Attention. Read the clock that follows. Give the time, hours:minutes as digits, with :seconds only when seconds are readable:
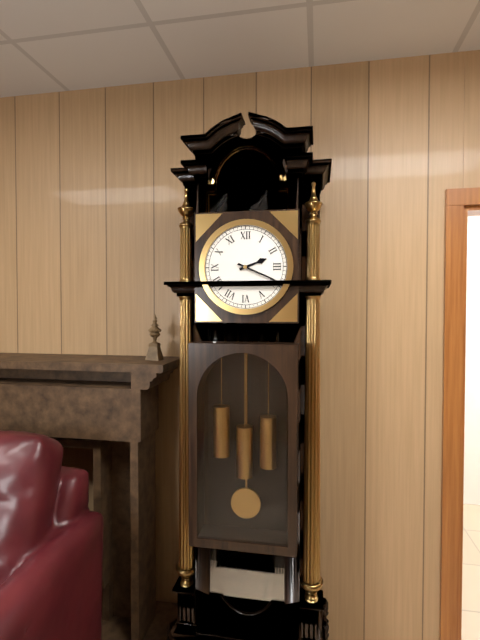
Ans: 2:19
